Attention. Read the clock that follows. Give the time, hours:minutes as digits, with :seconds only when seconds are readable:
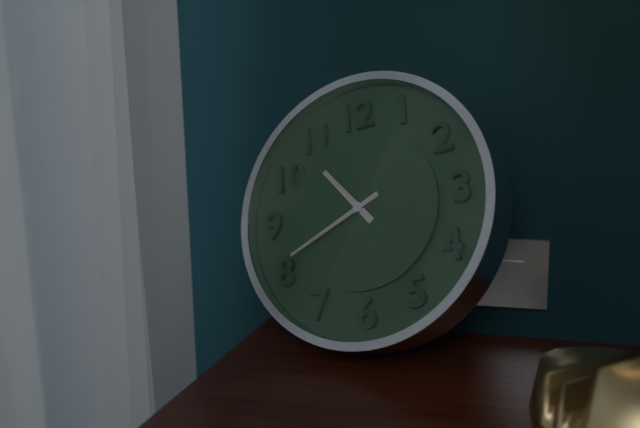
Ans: 10:41
